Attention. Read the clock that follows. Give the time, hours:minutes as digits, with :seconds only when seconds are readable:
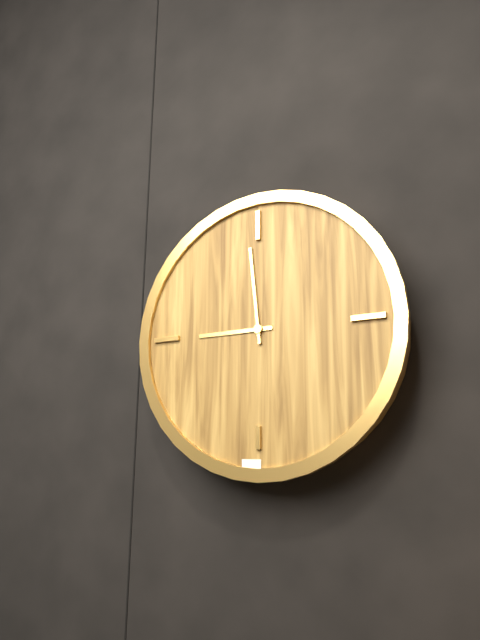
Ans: 8:59
